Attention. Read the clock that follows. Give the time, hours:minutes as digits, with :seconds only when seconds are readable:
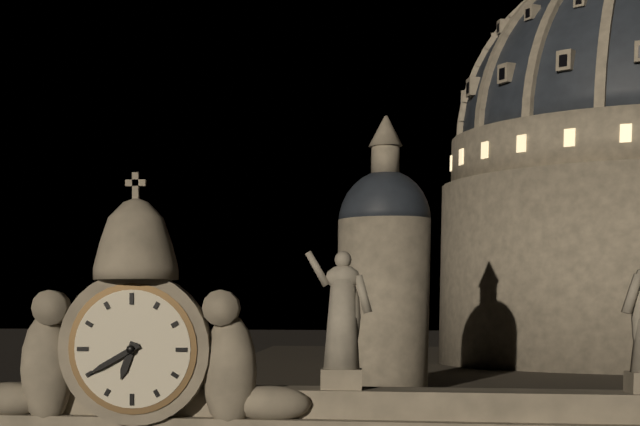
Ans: 6:40
